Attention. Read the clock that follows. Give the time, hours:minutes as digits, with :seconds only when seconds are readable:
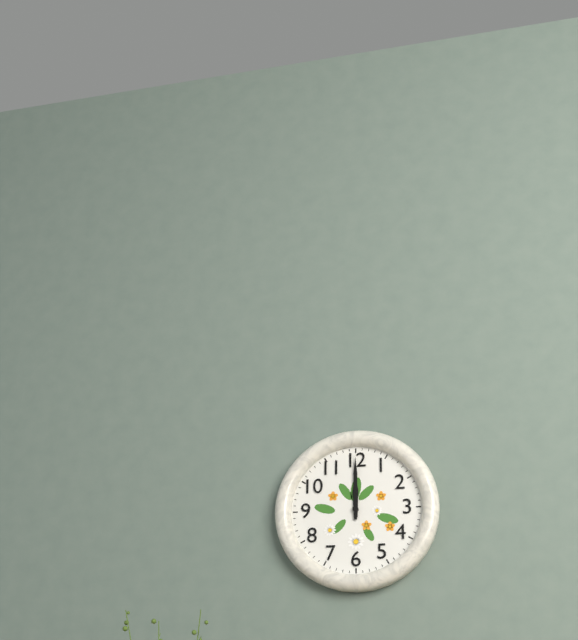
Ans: 12:00
